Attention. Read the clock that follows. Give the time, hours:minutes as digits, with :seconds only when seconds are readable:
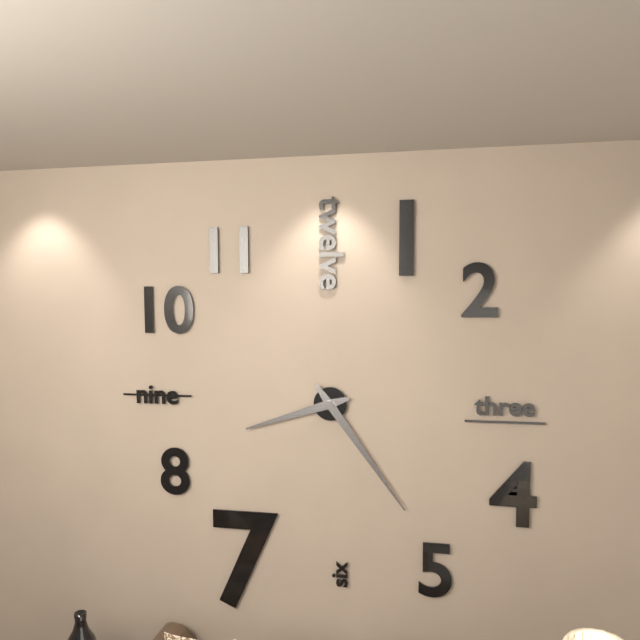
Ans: 8:24
